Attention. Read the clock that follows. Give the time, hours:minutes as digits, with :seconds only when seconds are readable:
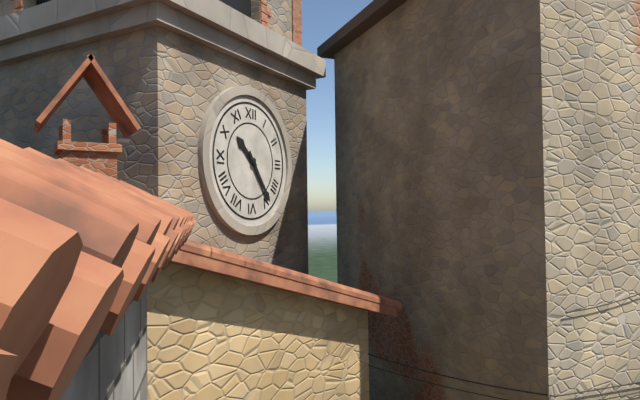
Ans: 10:24
